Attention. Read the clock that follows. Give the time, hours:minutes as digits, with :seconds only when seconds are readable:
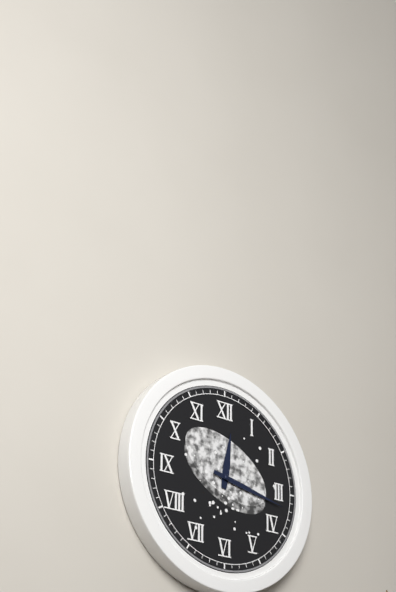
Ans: 12:17
